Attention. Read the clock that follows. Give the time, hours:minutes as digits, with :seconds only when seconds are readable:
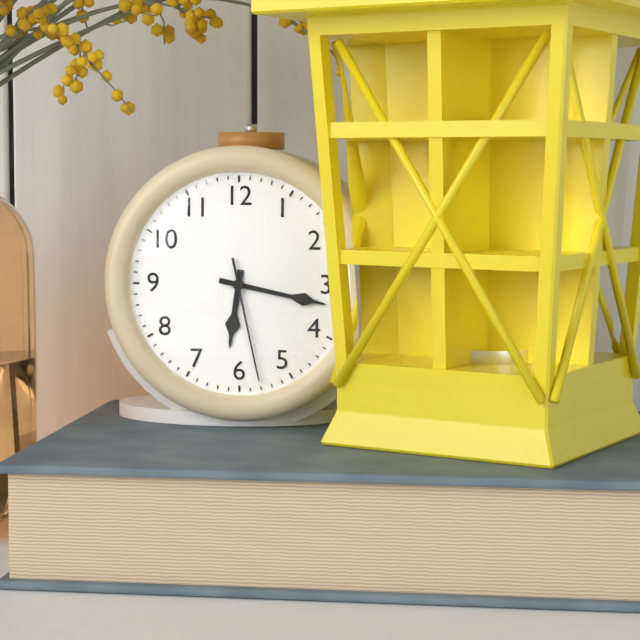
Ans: 6:17:28
